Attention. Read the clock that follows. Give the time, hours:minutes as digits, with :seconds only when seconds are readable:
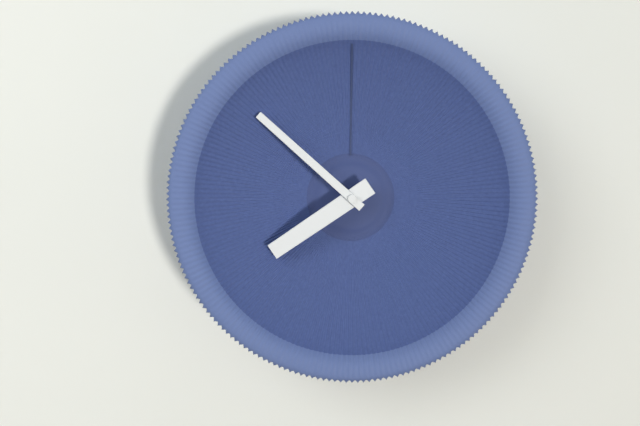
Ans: 7:52
